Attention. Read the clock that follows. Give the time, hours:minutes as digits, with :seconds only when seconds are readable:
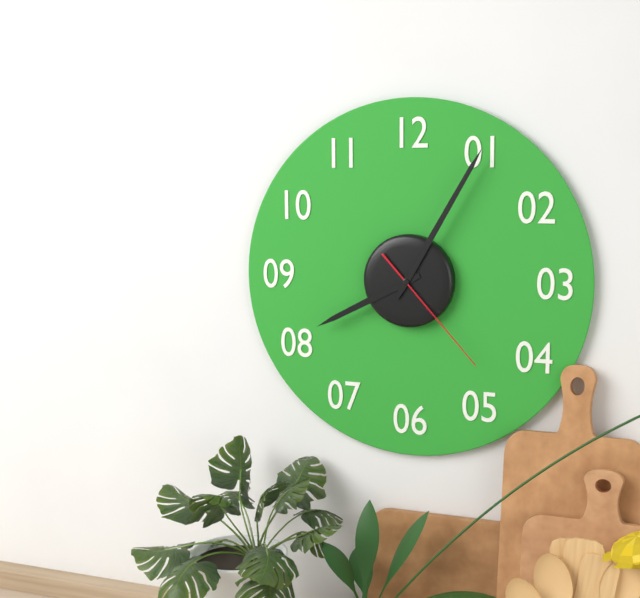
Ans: 8:05:23
